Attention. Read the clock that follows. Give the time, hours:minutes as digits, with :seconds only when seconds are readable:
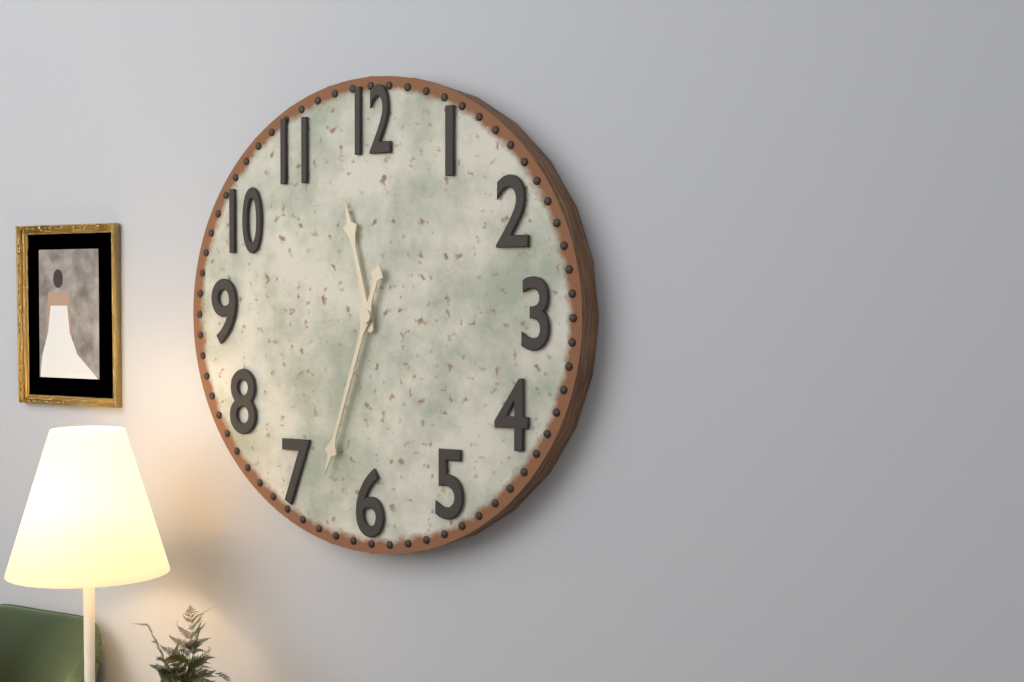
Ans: 11:33
